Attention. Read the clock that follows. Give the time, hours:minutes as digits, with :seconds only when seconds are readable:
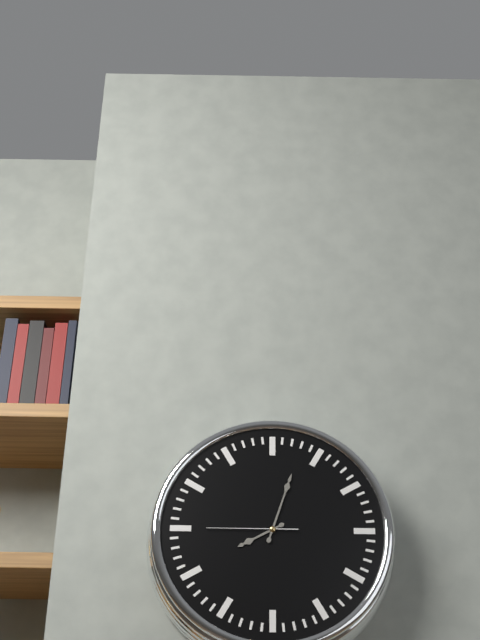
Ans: 8:03:45
